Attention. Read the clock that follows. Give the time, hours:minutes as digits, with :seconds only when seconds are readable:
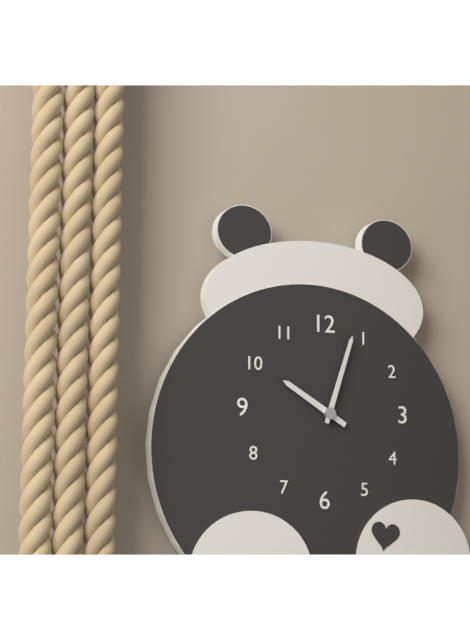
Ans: 10:03
